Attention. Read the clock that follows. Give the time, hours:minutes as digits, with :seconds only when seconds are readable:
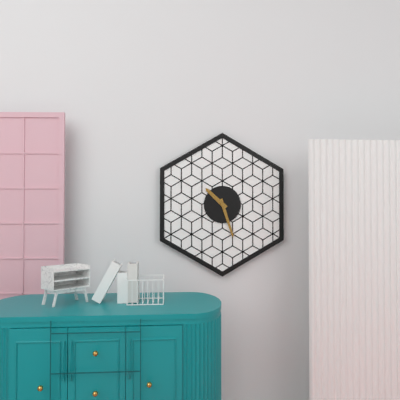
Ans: 10:27
